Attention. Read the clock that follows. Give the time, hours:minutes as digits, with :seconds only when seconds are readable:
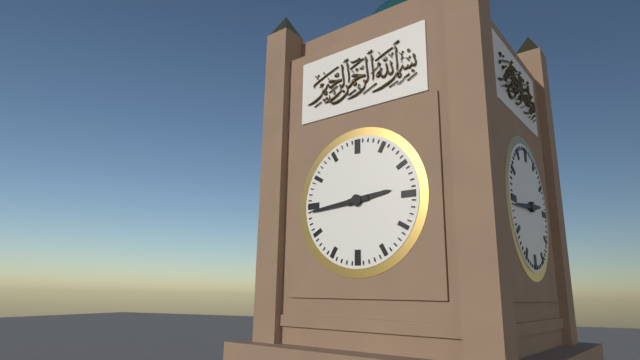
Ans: 2:44
